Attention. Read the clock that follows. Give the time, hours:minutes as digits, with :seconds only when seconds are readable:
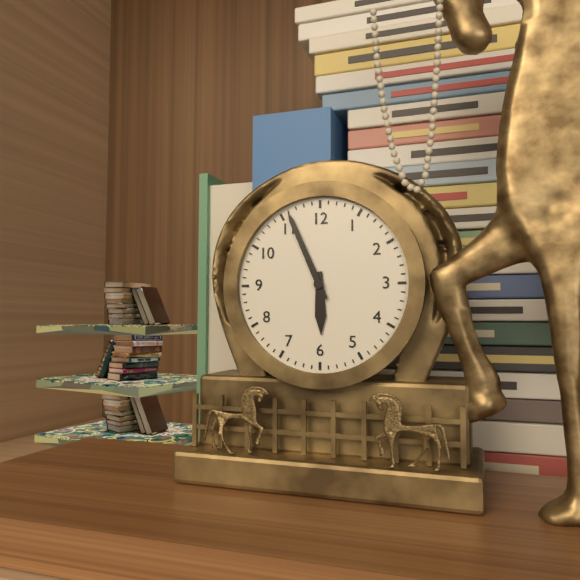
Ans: 5:56
